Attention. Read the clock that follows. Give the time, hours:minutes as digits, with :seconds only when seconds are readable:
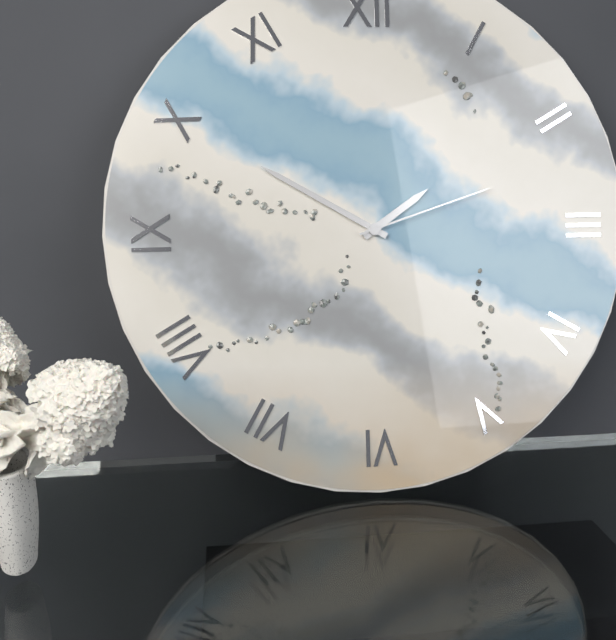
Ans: 1:50:12
